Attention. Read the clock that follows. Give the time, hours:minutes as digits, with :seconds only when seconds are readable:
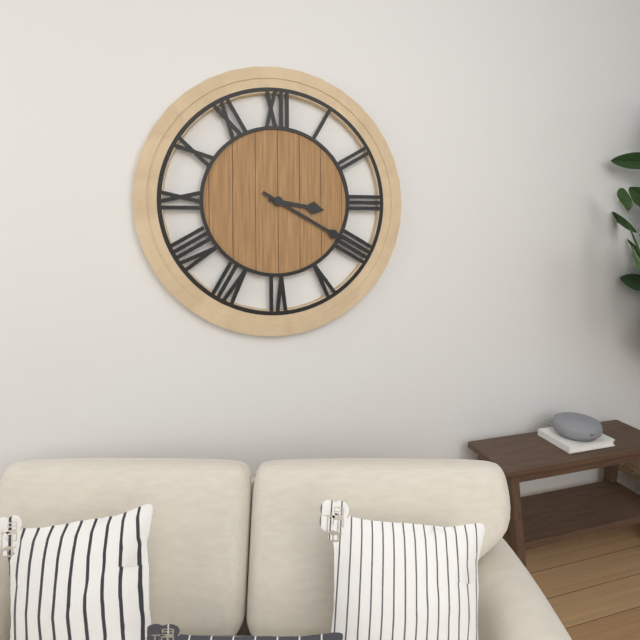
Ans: 3:20
